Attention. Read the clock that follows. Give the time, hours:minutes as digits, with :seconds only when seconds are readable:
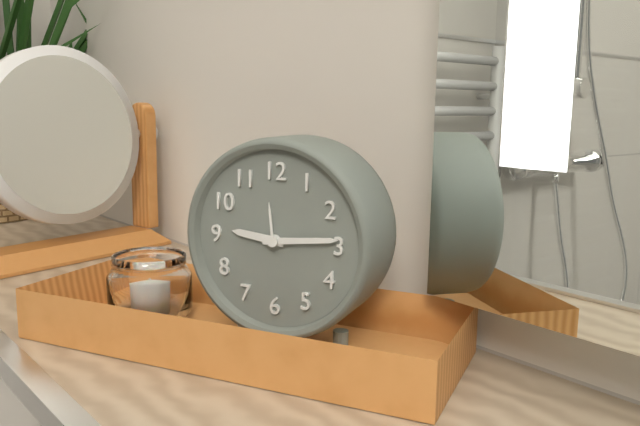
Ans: 9:14
